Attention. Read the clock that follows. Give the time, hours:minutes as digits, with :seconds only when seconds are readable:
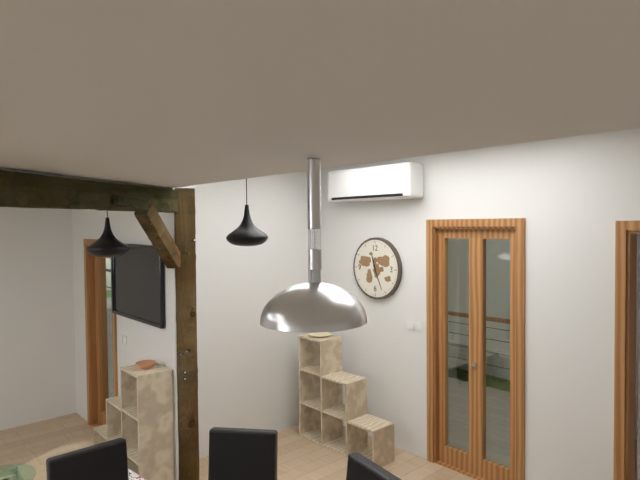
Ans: 11:26
